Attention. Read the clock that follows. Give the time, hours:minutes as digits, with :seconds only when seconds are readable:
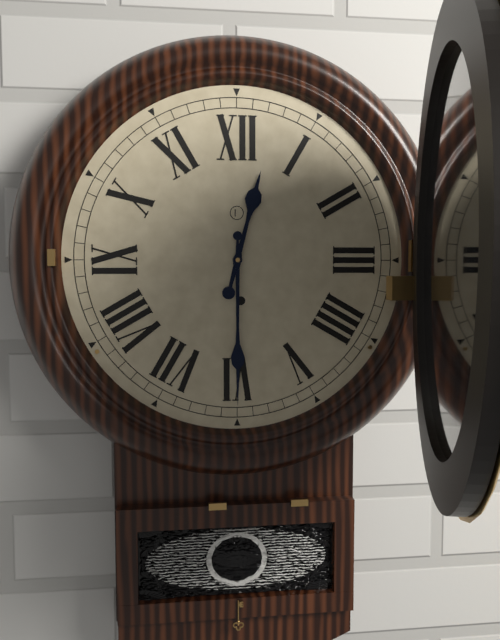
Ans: 12:30
